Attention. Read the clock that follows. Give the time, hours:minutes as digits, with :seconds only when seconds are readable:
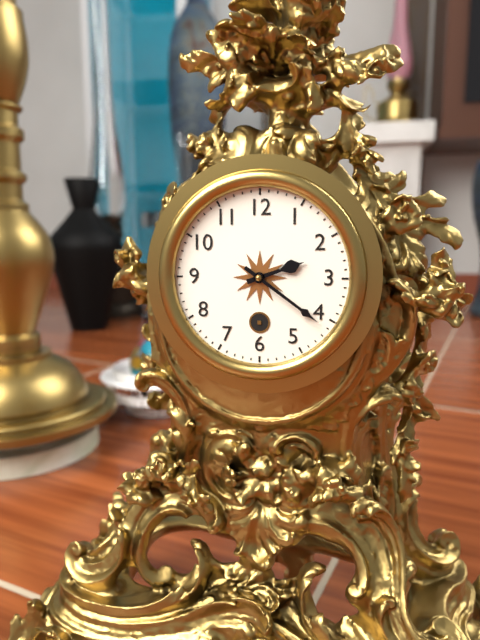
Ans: 2:21
